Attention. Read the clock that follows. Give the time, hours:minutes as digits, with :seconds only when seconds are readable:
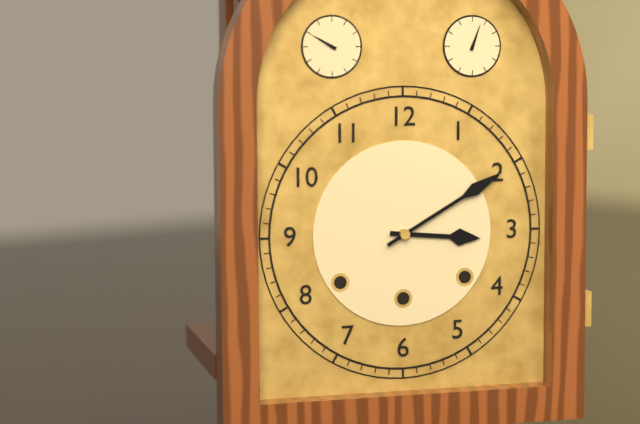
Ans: 3:10
